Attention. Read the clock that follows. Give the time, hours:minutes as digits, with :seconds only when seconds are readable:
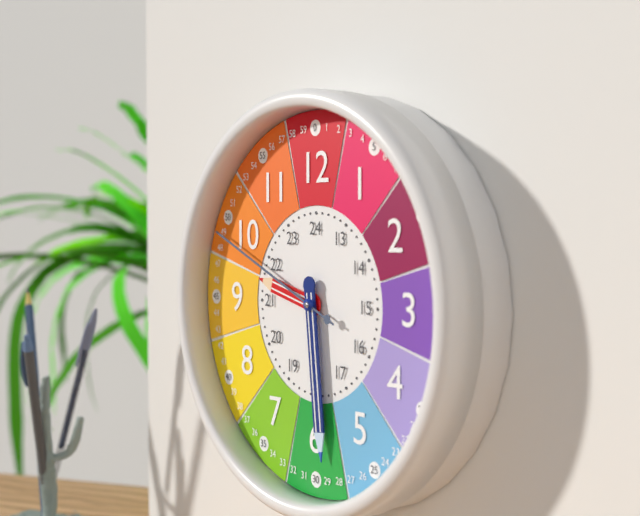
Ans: 9:29:49
